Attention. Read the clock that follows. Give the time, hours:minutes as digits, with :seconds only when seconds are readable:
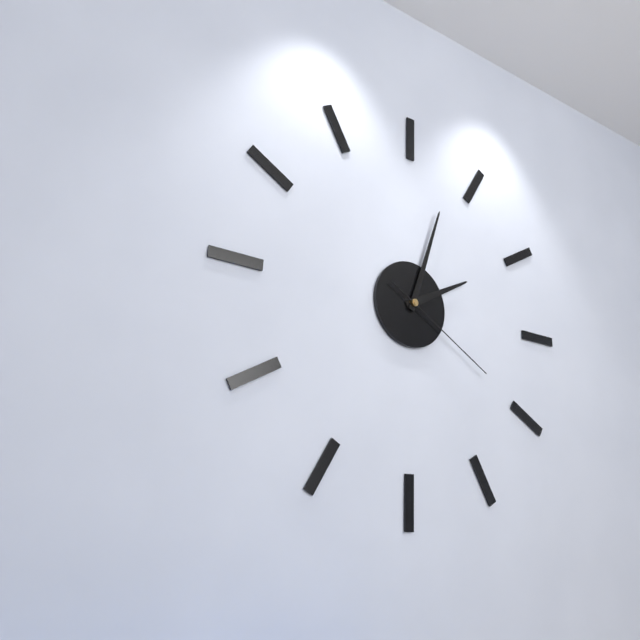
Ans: 2:03:20
